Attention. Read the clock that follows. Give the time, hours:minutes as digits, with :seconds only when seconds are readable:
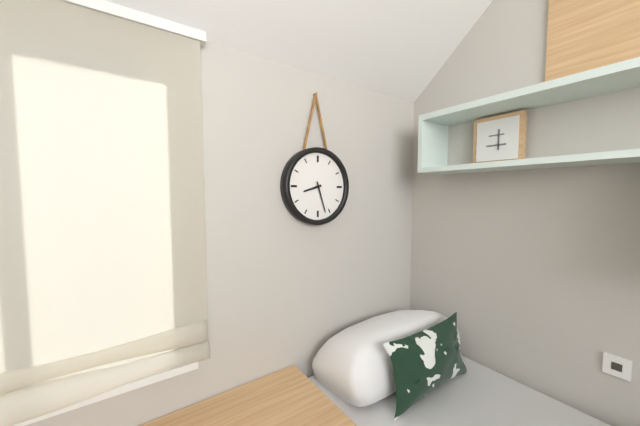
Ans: 8:27
